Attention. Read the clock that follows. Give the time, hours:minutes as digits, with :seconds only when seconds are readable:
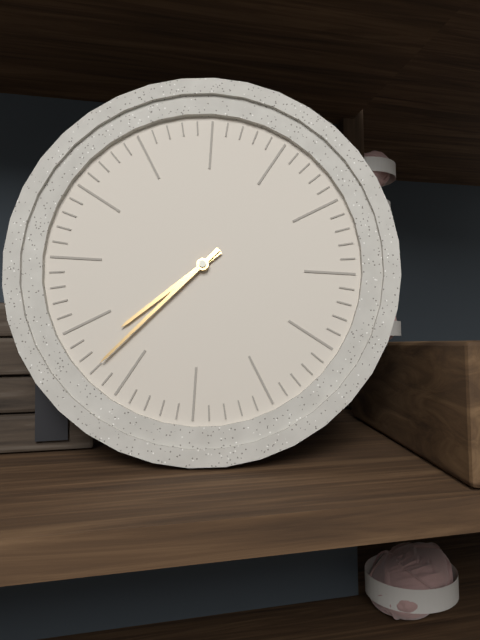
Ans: 7:37
